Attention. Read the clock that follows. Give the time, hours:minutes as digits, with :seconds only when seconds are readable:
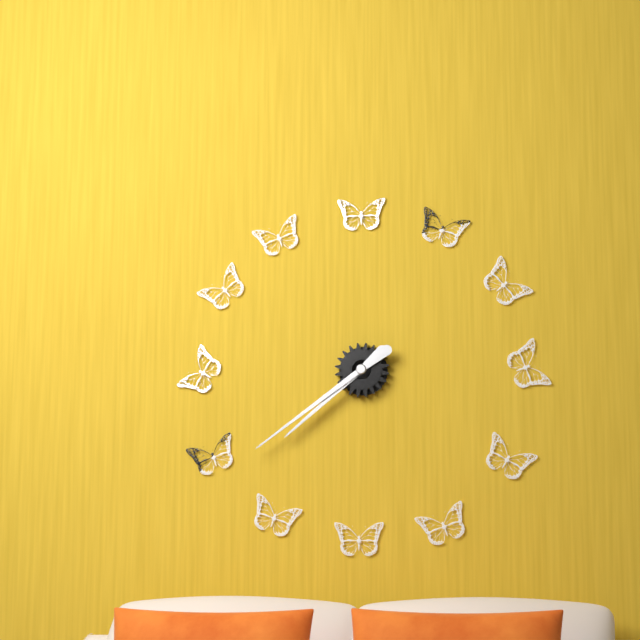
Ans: 7:39
